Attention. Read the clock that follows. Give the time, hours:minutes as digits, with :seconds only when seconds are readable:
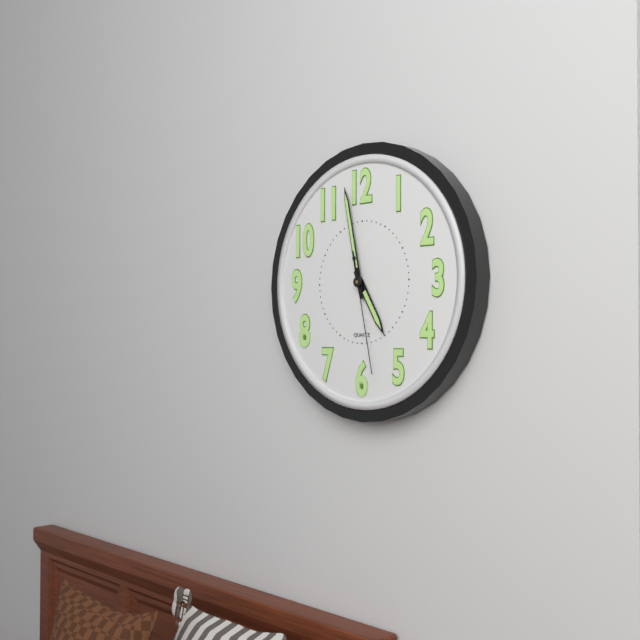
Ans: 4:58:28
